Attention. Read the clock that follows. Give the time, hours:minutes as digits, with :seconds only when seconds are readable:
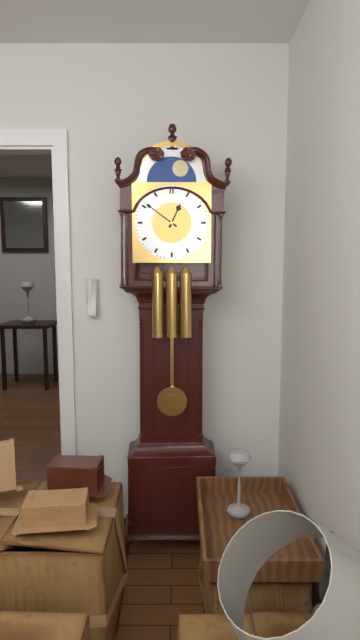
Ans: 12:51
